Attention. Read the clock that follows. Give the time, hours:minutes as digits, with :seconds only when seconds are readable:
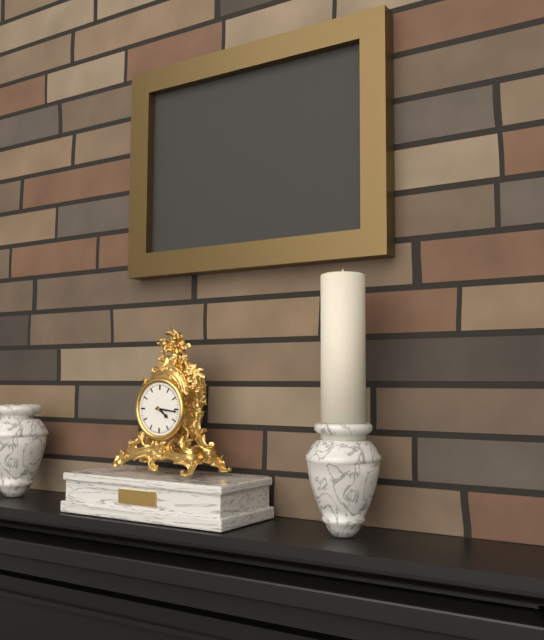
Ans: 4:16
